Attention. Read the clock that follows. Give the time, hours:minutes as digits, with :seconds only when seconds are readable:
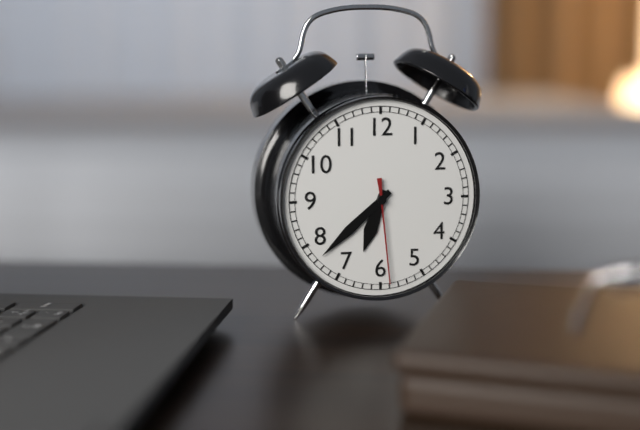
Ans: 6:38:29
